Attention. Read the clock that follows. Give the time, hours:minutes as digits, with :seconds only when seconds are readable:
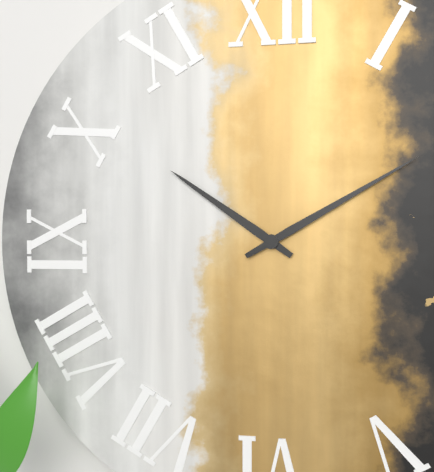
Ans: 10:10
